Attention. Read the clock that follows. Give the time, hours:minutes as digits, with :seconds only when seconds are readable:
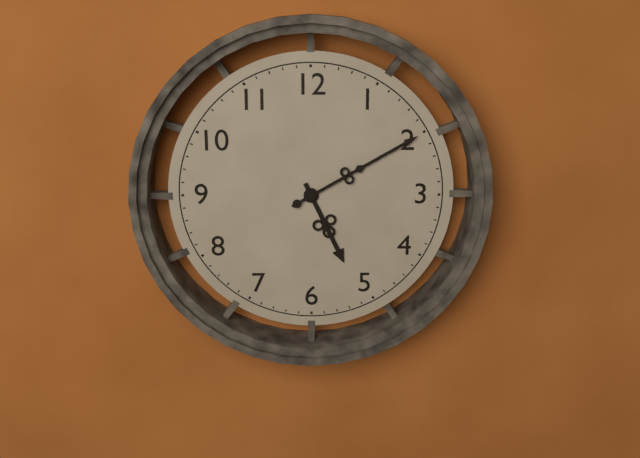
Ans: 5:10
